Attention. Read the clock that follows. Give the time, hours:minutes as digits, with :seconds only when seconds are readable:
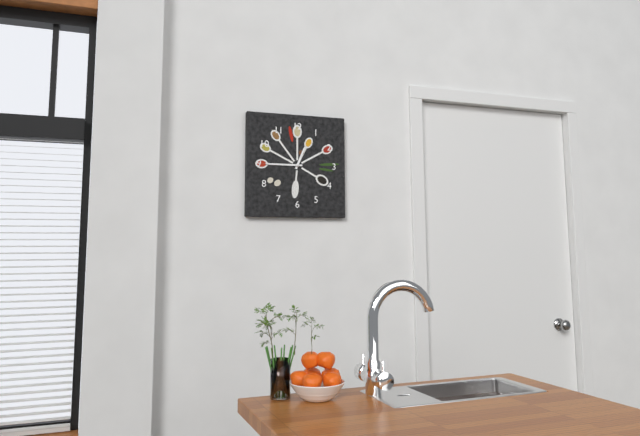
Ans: 12:45
